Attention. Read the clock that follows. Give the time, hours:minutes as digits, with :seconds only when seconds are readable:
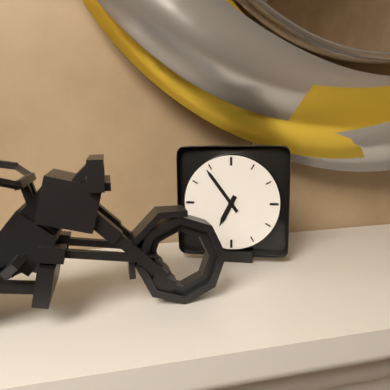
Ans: 6:54
